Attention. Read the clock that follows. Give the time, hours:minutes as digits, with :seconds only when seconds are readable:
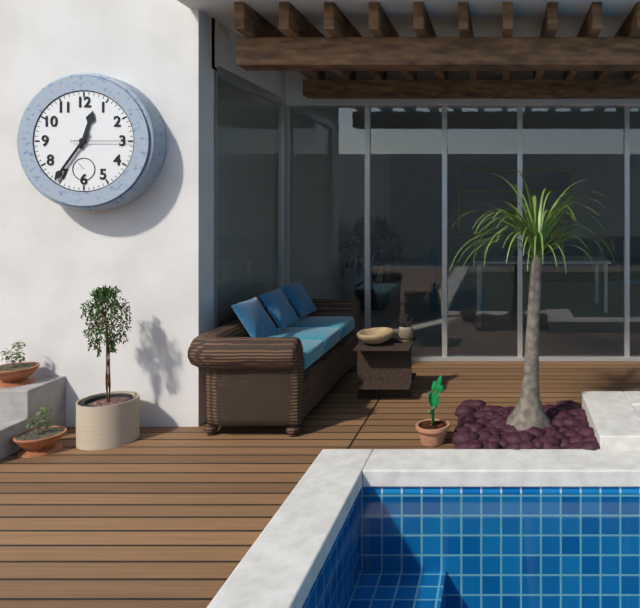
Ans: 12:36:15
